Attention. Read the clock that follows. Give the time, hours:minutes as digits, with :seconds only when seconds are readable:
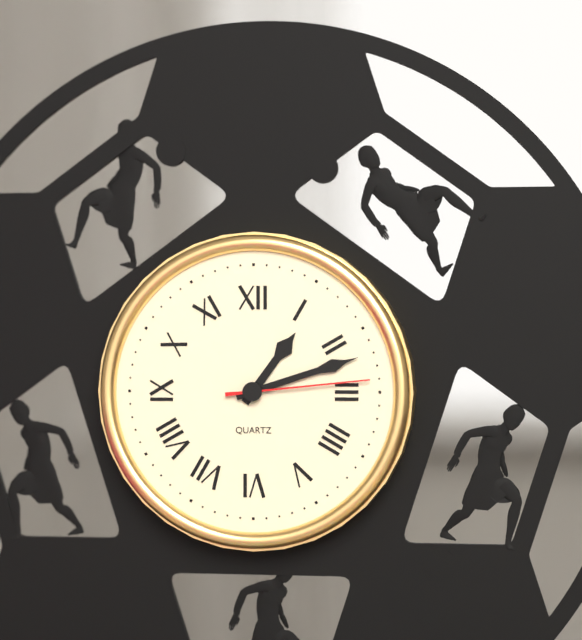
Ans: 1:12:14
